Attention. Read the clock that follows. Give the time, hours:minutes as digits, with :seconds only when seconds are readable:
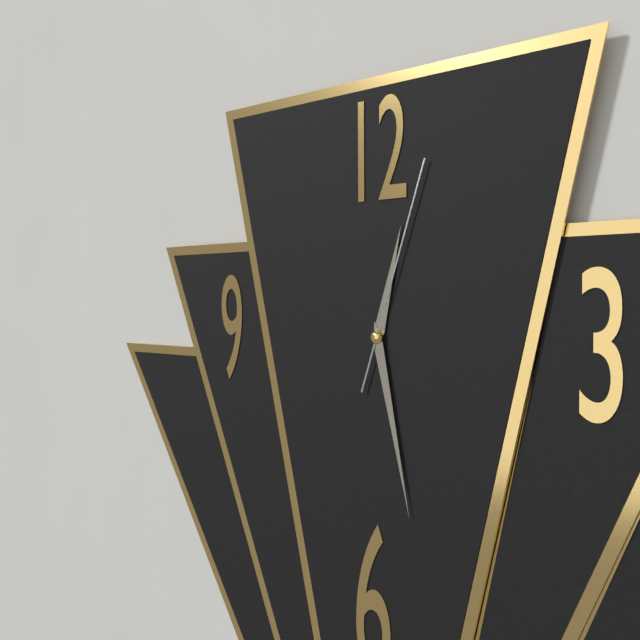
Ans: 12:28:03
